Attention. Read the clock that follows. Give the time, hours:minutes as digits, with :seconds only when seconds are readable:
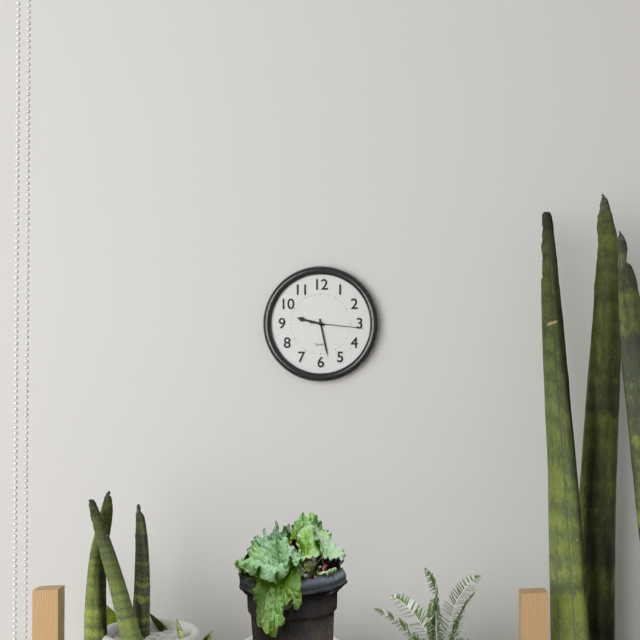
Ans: 9:28:16
